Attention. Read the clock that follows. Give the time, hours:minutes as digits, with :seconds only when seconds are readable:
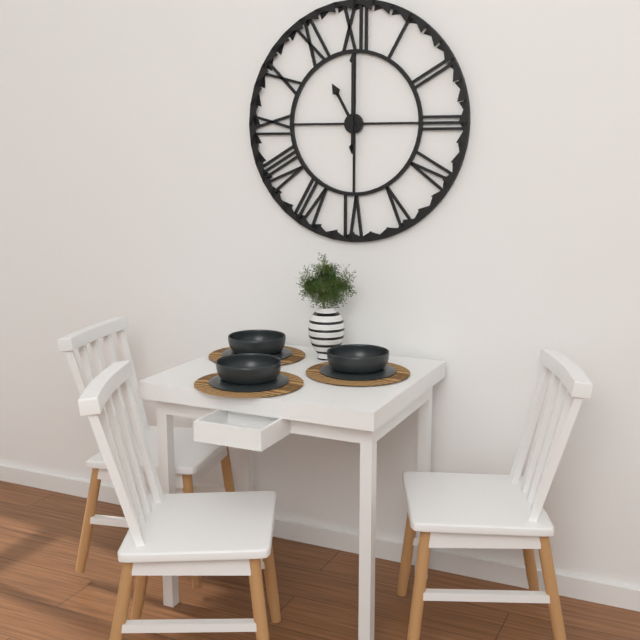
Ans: 11:00
